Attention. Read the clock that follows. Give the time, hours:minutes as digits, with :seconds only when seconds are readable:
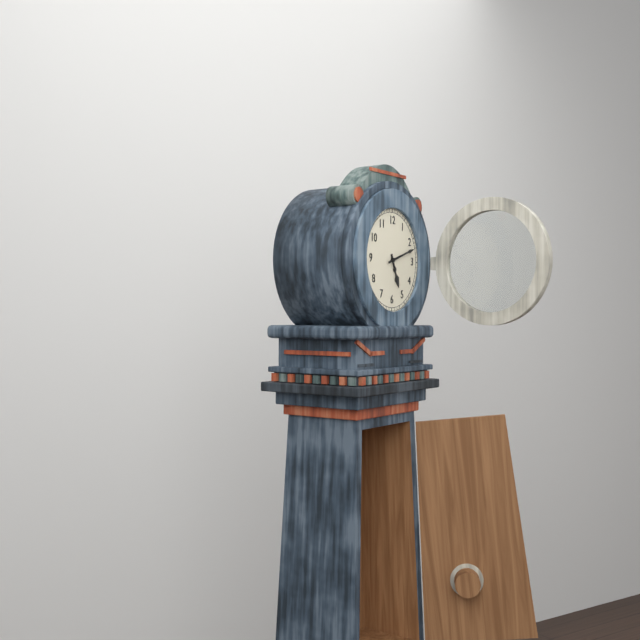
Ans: 5:12
